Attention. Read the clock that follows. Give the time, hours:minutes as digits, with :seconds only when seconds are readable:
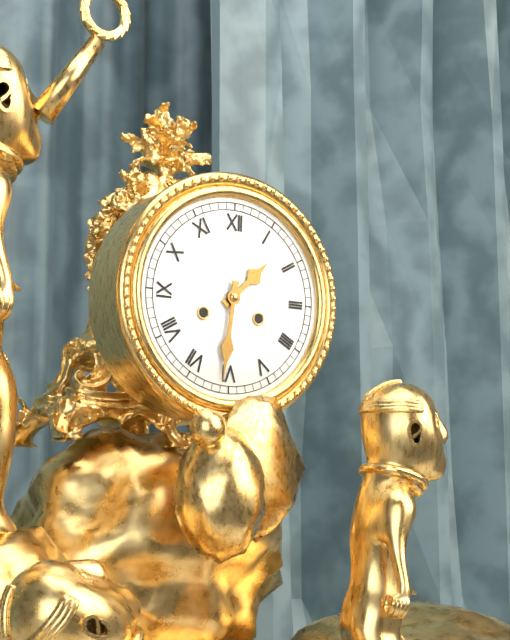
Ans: 1:31
